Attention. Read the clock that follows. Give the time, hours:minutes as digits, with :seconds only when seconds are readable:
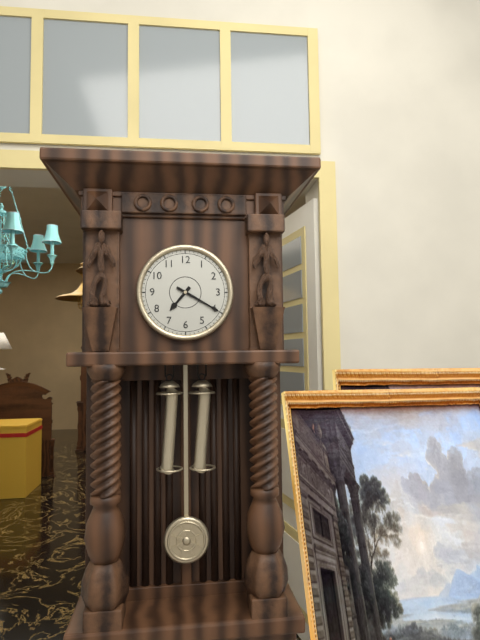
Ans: 7:20
